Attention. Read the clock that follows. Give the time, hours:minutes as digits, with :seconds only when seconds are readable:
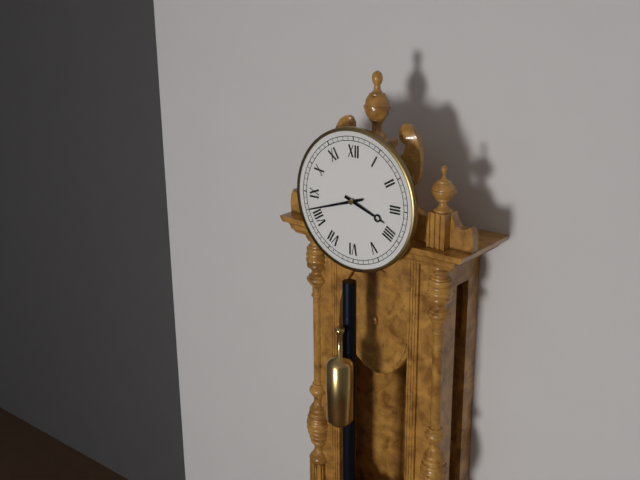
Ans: 3:42
